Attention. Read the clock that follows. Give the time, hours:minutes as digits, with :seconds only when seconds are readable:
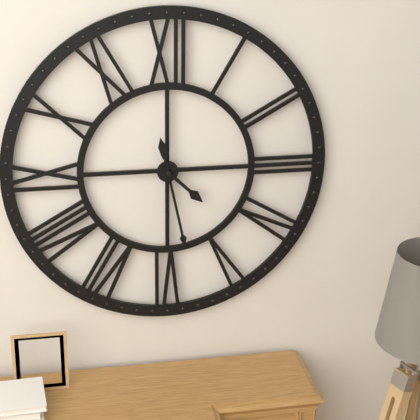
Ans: 4:28
